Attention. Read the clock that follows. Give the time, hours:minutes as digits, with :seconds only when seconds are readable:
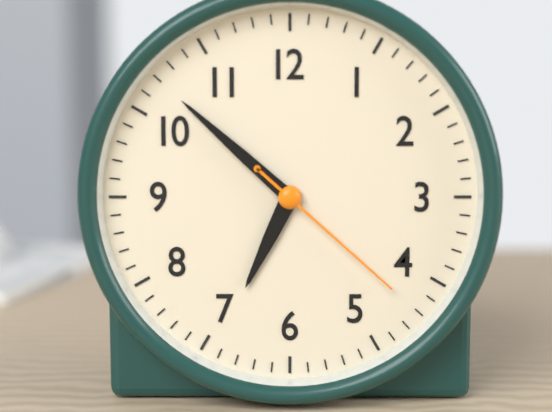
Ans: 6:52:22
